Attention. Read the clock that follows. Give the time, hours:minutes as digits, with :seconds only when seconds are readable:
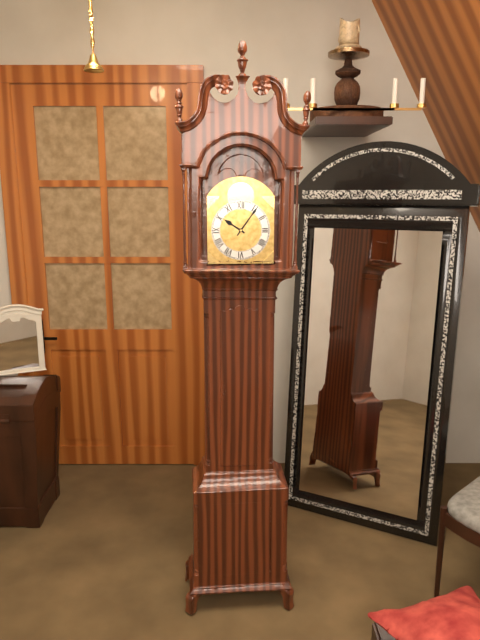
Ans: 10:06
